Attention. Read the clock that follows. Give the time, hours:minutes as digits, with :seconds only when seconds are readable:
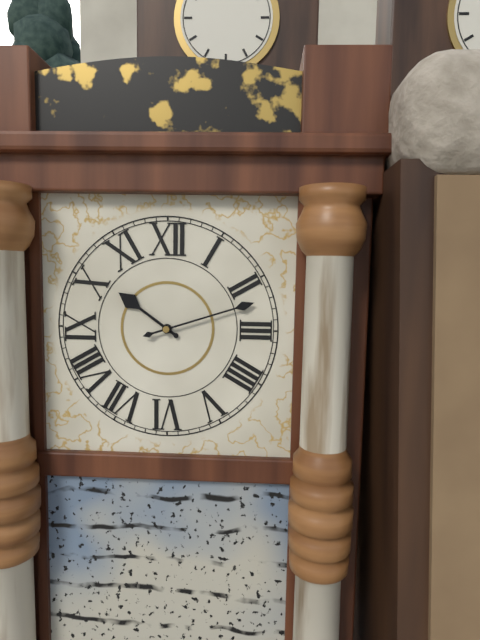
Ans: 10:12
